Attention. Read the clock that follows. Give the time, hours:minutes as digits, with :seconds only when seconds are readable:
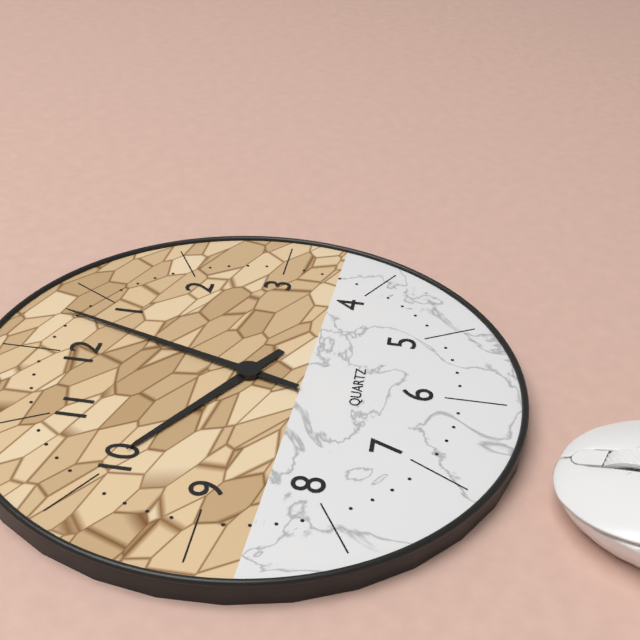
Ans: 10:03
